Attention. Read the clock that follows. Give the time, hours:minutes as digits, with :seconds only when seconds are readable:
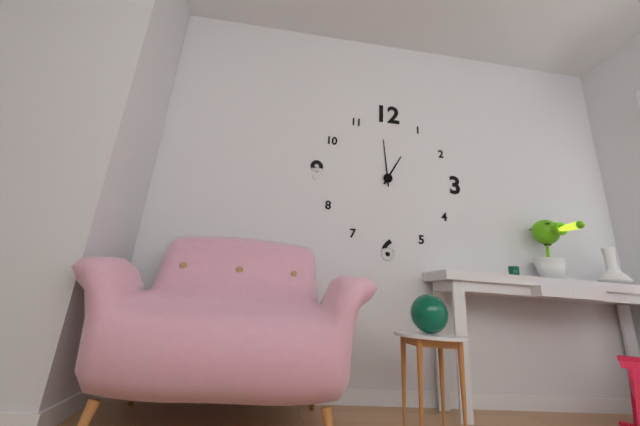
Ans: 12:59
